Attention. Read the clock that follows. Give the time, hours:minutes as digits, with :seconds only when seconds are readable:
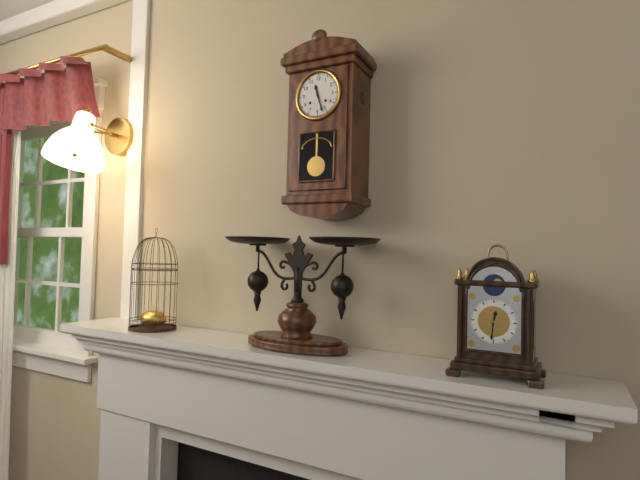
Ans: 11:27
